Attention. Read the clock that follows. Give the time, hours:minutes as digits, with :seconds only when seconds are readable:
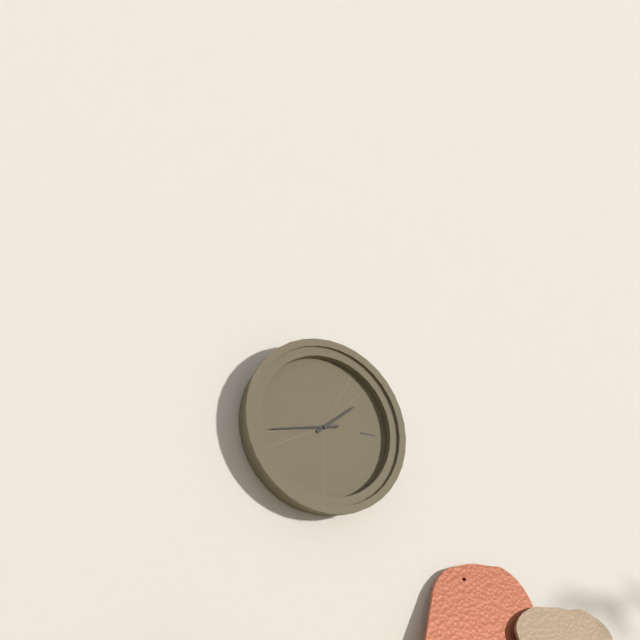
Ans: 1:43
